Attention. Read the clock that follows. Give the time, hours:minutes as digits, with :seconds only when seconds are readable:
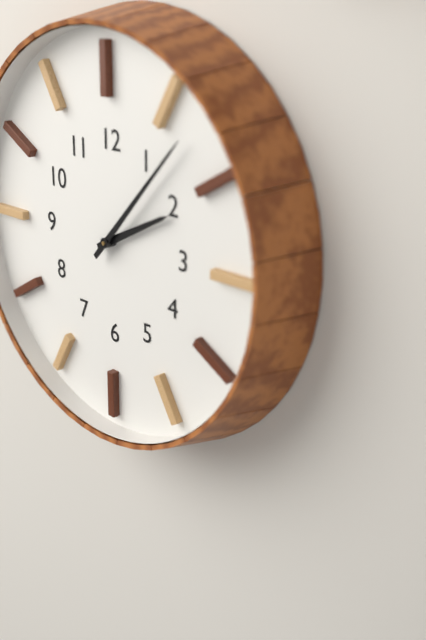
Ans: 2:07
